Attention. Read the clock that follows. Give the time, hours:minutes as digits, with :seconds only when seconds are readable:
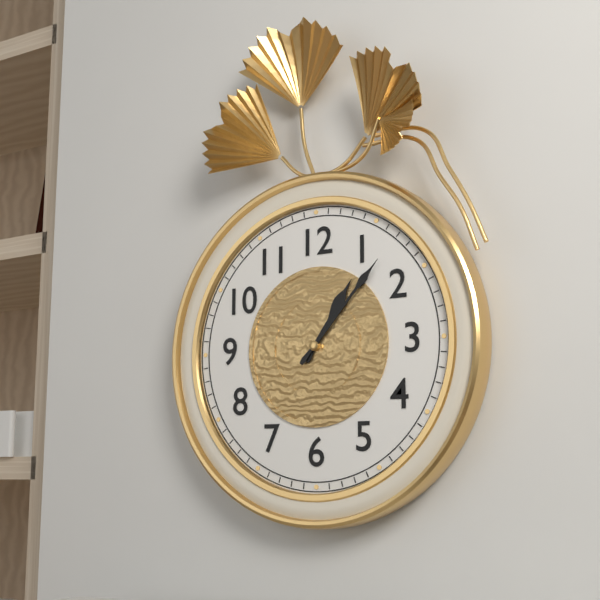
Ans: 1:07
